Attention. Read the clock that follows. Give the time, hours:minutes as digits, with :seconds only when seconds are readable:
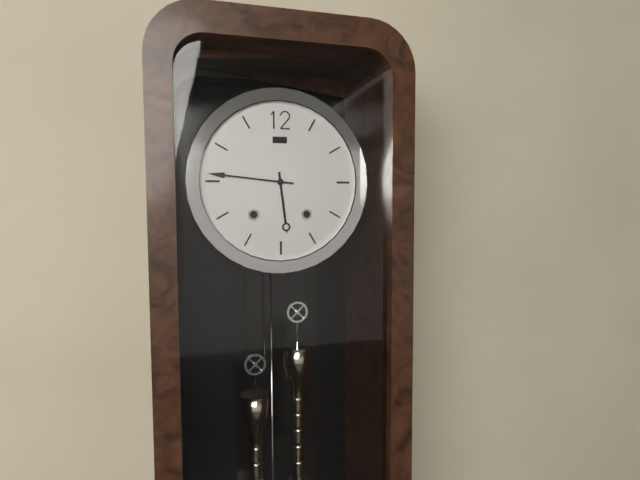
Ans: 5:46
